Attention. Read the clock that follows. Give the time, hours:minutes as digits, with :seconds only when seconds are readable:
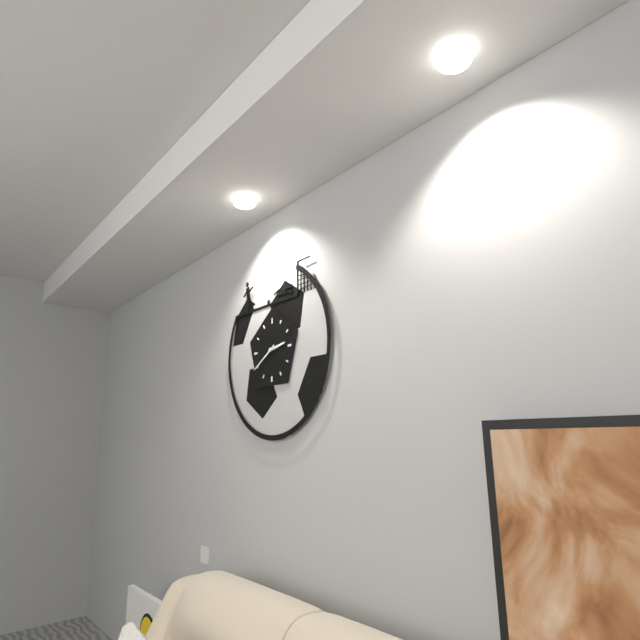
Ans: 2:40
